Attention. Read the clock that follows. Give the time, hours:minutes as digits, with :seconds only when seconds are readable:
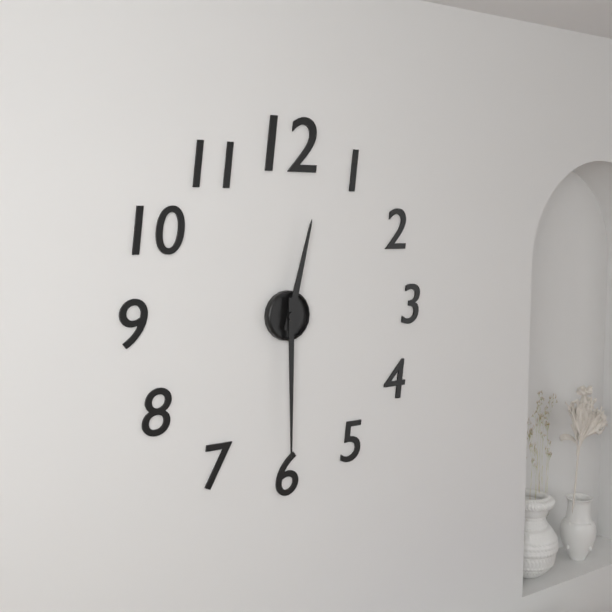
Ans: 12:30
